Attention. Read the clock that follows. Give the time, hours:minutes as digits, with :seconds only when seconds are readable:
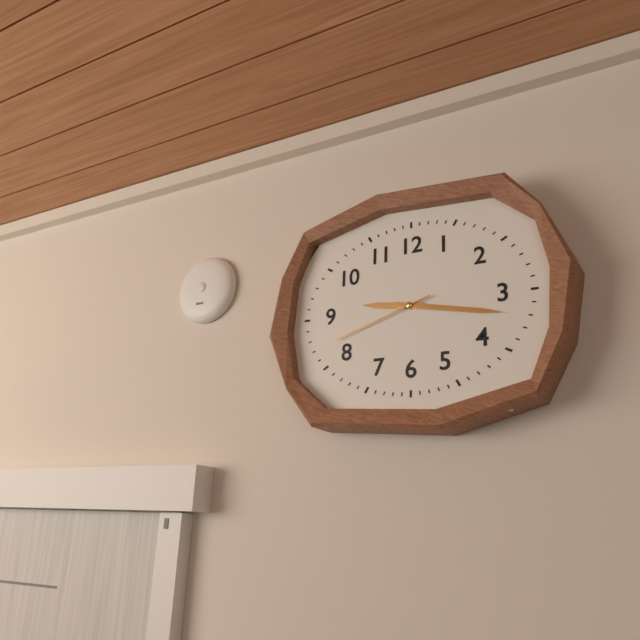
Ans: 9:17:42
